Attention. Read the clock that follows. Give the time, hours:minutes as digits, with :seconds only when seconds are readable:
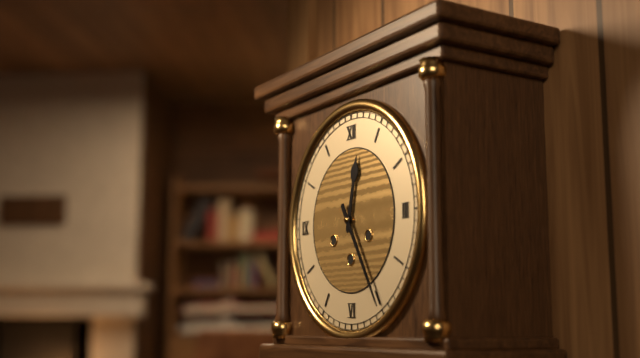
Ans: 12:25
